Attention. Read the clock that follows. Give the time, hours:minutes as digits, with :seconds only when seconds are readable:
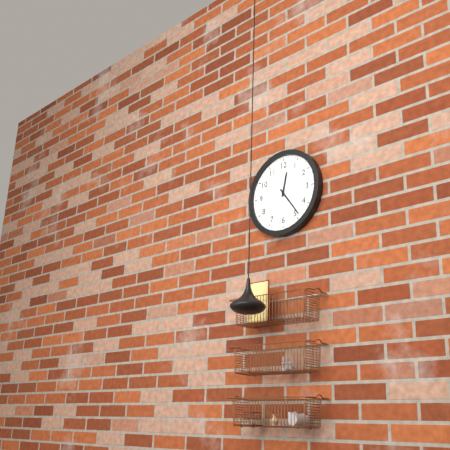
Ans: 12:24
